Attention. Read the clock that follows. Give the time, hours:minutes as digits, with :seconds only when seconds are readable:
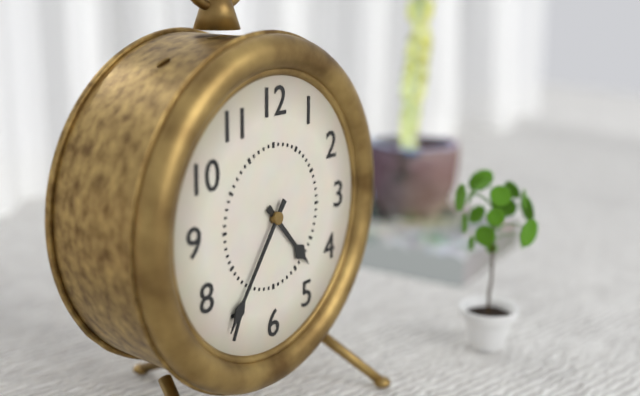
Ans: 4:36
